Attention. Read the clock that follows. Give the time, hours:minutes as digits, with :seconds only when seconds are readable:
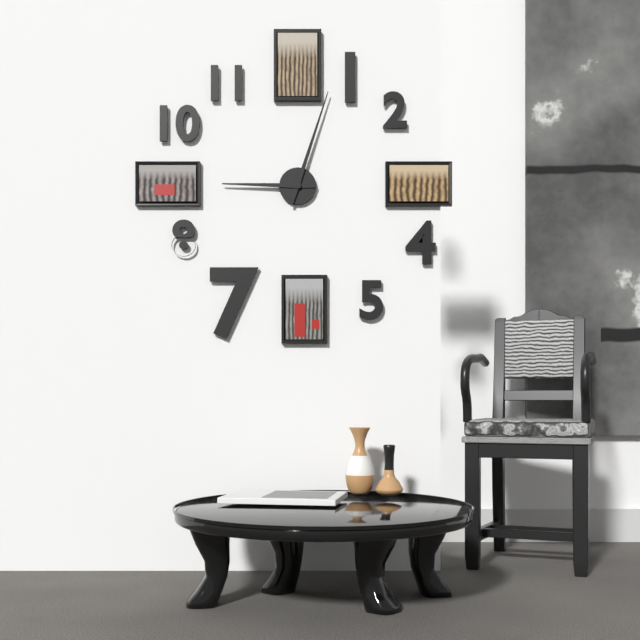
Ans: 9:03
